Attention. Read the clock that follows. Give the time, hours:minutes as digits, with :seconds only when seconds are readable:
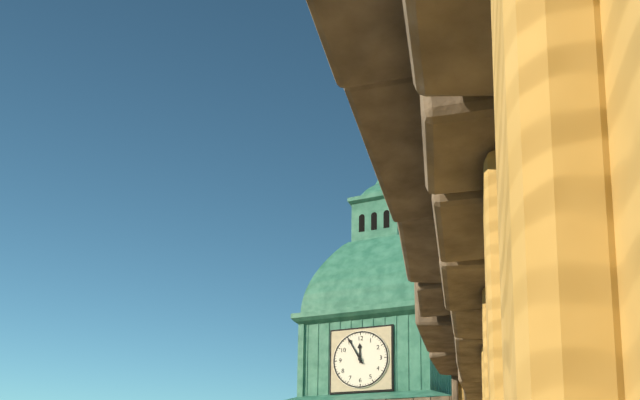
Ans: 11:55
